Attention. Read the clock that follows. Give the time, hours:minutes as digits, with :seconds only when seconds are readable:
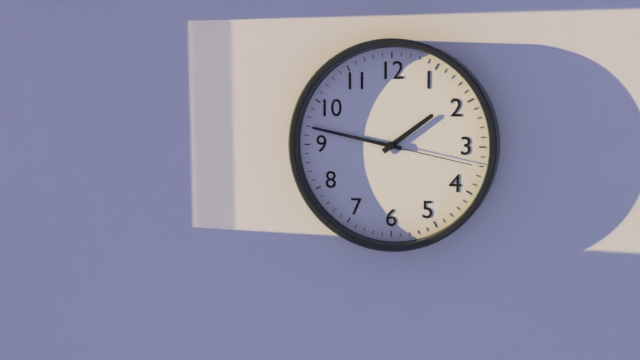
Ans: 1:47:17
